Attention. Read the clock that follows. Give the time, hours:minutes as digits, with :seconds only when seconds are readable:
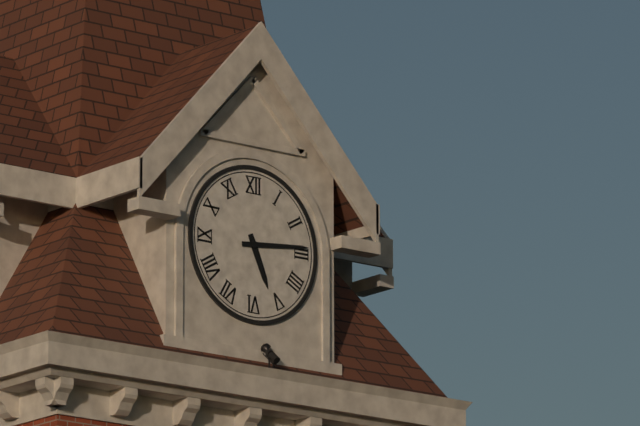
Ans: 5:14
